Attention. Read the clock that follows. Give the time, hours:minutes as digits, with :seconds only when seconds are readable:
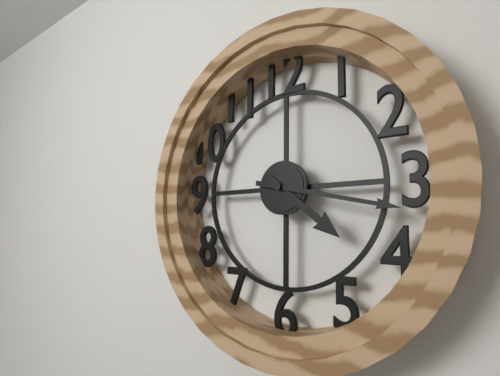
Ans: 4:17
